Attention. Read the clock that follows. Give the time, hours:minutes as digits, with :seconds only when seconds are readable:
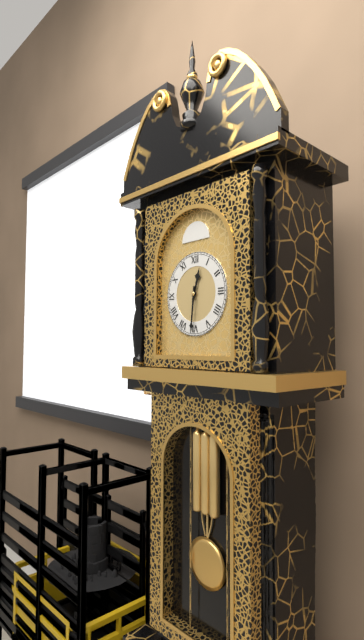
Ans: 12:31
